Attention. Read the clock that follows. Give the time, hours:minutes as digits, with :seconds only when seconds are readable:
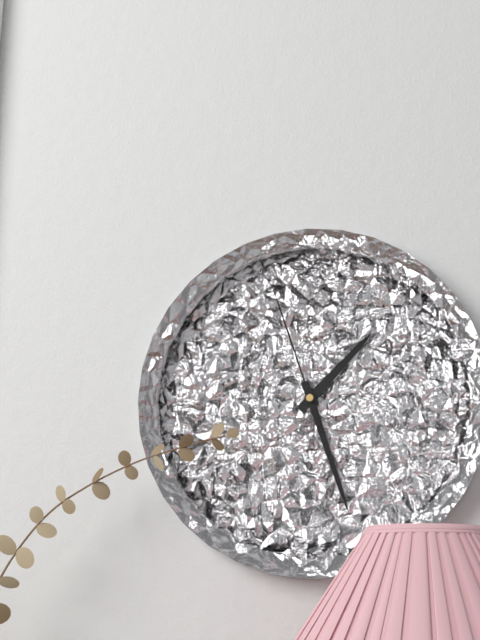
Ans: 1:27:57
